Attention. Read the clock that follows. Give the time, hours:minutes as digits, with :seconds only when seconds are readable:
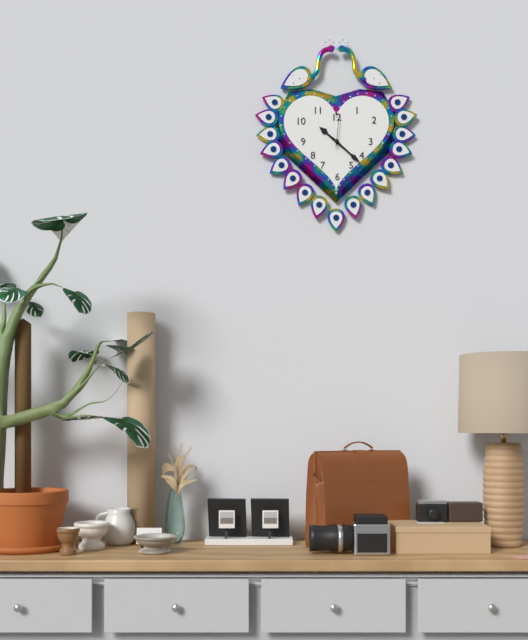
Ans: 10:22
